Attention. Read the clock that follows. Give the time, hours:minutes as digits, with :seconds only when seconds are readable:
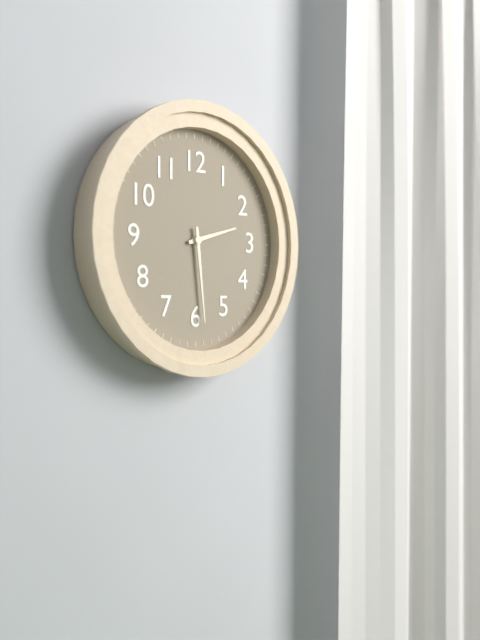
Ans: 2:29
